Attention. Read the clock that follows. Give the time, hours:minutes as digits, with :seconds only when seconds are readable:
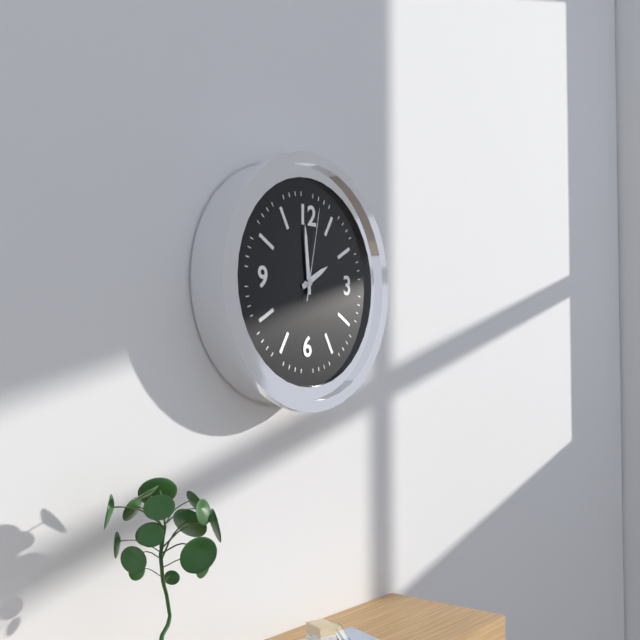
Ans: 1:59:02
